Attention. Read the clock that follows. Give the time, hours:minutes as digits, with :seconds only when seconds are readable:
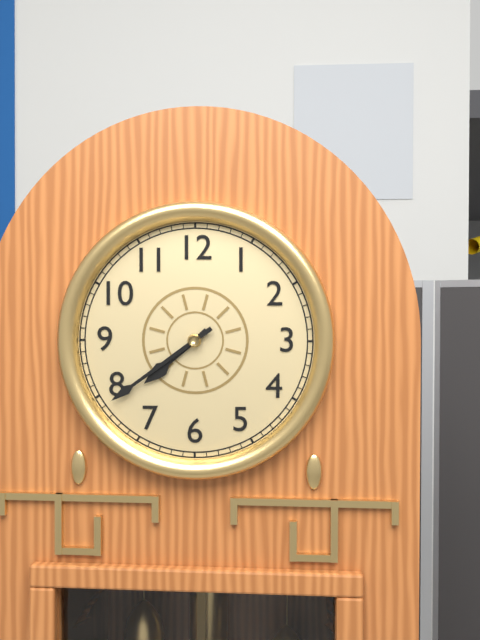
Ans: 7:39
